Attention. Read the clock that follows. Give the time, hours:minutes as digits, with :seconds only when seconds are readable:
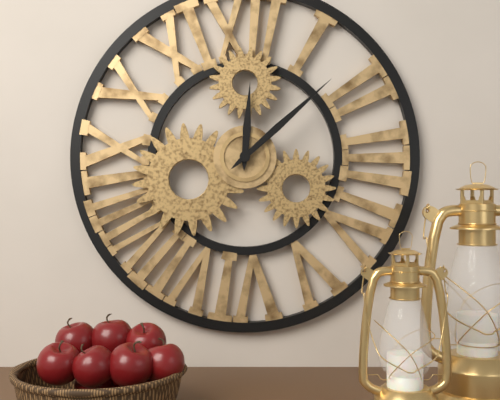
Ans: 12:08
